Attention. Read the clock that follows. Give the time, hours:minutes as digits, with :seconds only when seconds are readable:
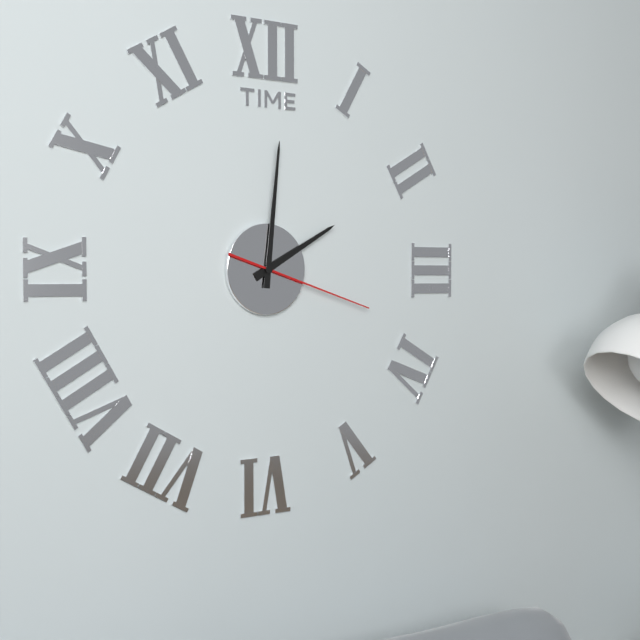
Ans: 2:01:18
